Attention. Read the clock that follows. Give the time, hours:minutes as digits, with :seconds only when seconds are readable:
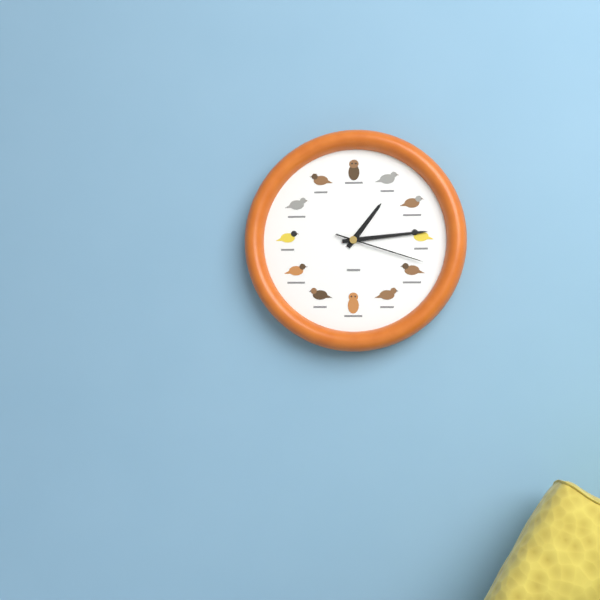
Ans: 1:14:18
